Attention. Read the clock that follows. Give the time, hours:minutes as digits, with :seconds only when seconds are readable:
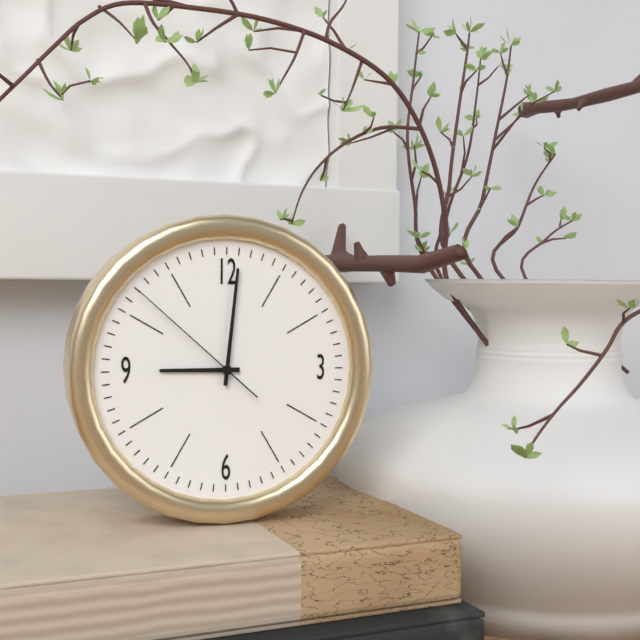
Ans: 9:01:52
